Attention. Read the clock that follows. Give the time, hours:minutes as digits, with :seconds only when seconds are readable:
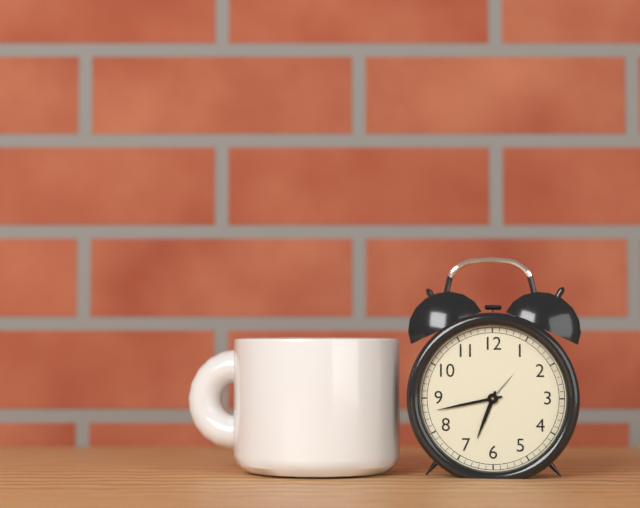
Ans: 6:43
